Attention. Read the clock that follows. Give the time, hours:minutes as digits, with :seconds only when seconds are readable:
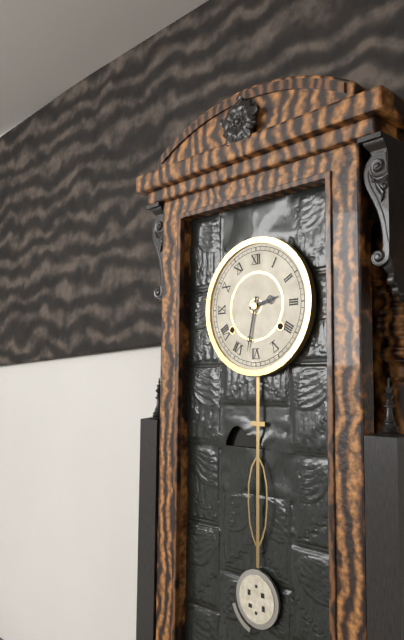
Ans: 2:32
